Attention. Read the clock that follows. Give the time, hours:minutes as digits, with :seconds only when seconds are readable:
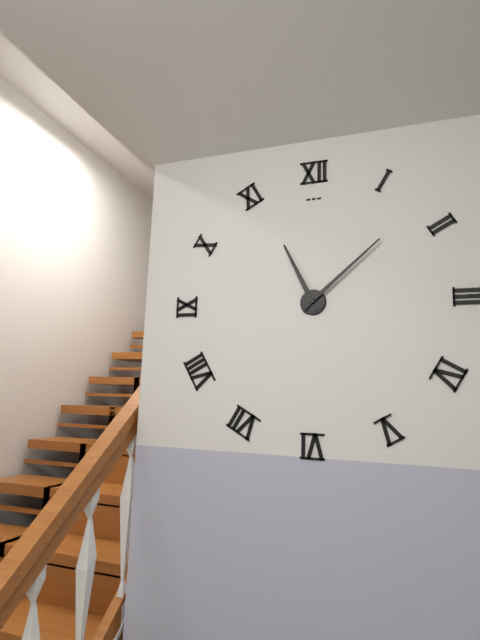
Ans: 11:08
